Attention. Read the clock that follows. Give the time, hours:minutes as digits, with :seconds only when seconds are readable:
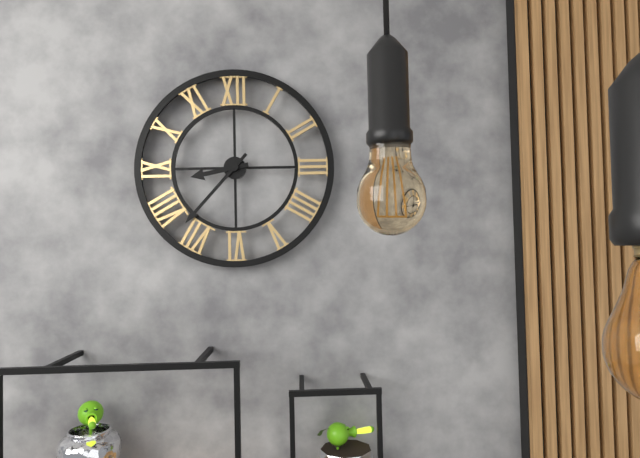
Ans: 8:37
